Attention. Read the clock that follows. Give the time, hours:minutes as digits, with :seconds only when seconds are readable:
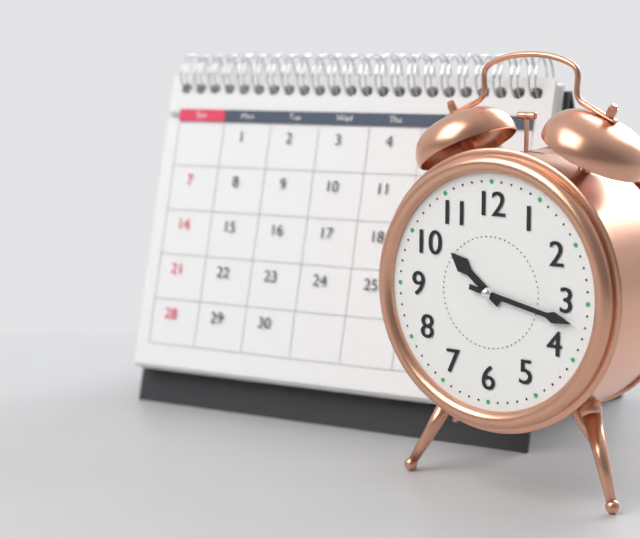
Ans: 10:17
